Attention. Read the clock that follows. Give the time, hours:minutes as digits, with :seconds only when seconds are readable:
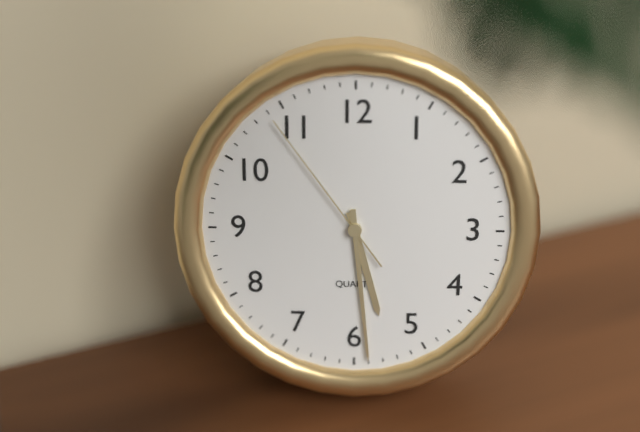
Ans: 5:29:54
